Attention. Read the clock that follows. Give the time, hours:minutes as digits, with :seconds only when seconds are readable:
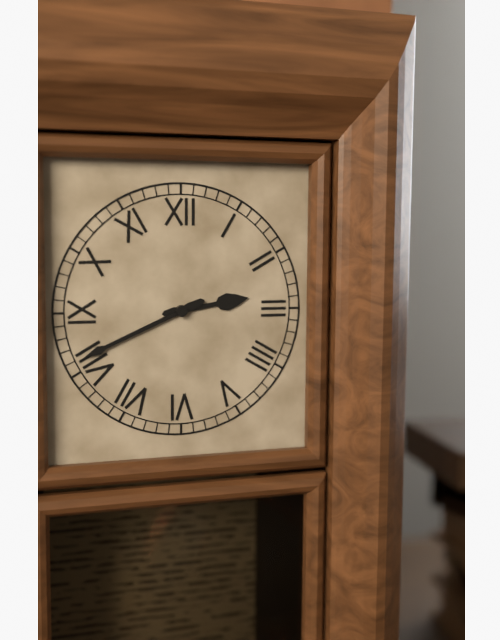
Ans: 2:41
